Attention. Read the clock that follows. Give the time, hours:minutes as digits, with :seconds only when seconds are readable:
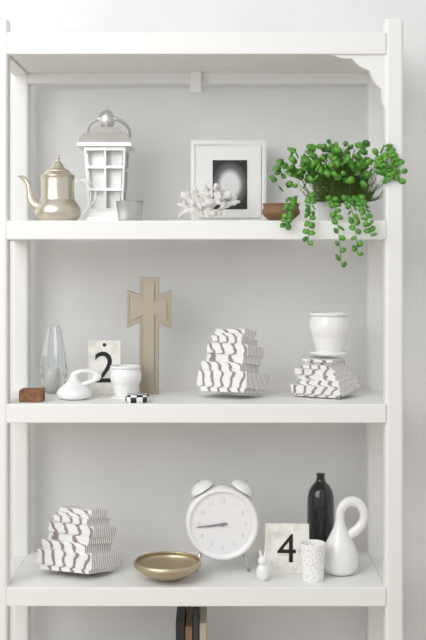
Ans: 8:44
